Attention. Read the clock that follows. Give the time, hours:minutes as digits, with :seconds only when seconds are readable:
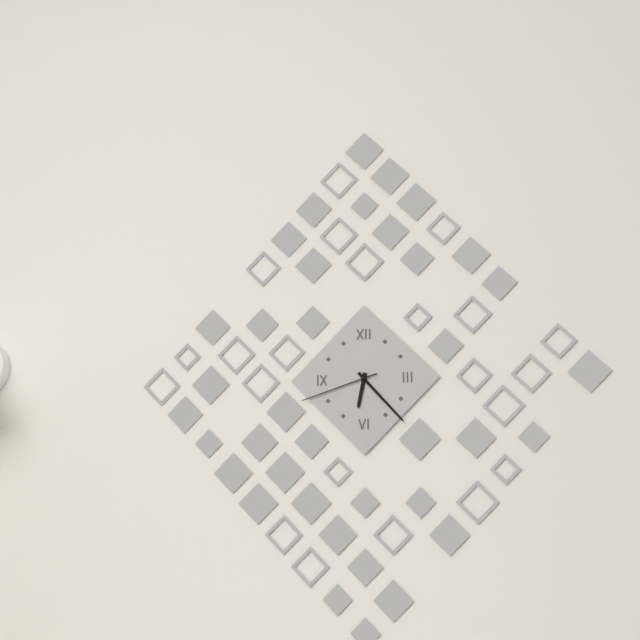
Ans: 6:23:42
